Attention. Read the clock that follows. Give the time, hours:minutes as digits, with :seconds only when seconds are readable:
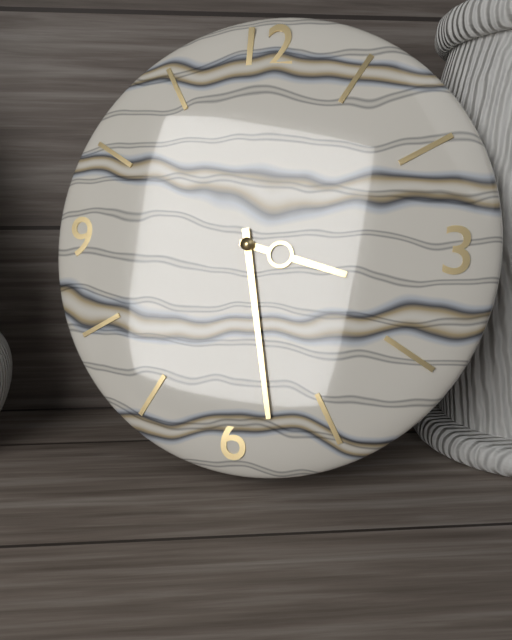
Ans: 3:28
